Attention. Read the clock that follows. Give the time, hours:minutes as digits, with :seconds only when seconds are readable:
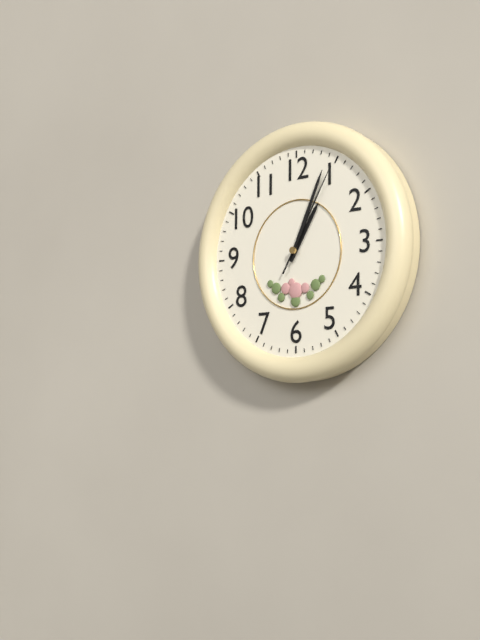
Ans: 1:04:05
